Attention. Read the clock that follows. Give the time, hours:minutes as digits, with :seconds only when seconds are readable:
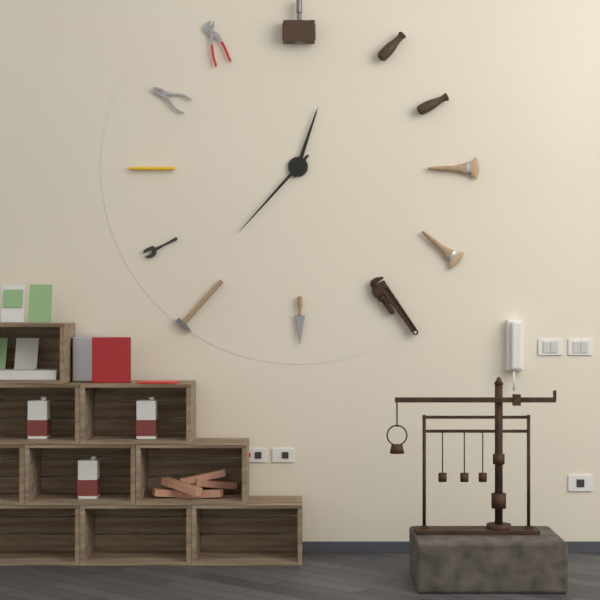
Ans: 12:37
